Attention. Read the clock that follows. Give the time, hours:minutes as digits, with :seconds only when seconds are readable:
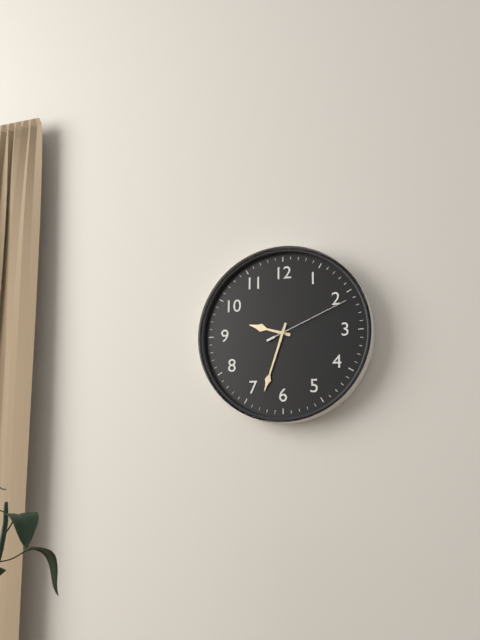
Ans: 9:33:11
